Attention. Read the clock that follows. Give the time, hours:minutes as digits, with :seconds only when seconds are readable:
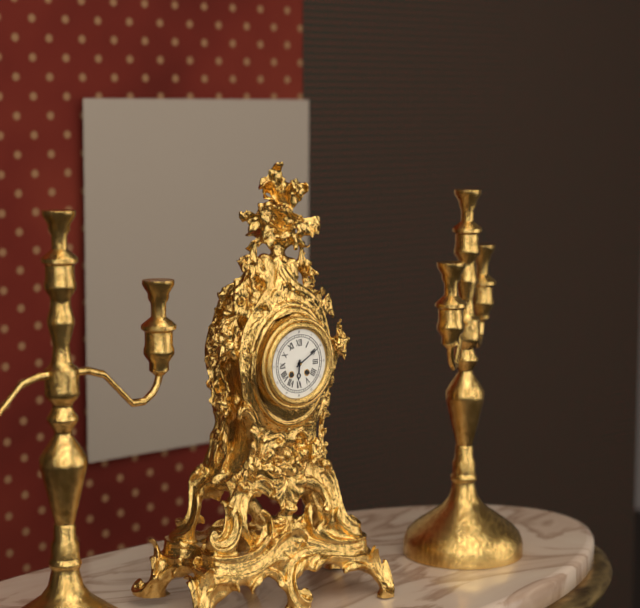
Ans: 6:10
